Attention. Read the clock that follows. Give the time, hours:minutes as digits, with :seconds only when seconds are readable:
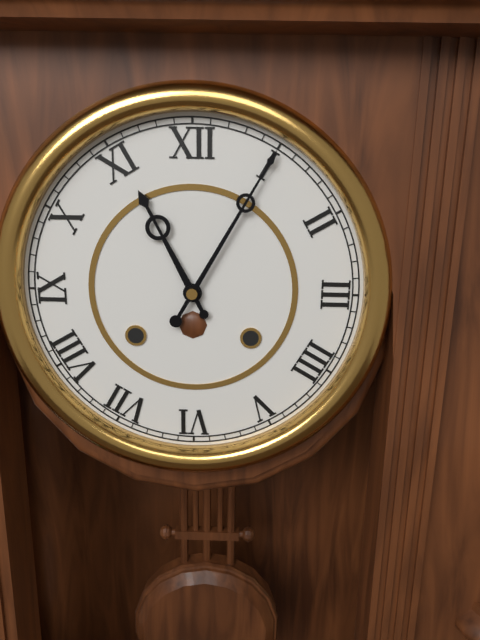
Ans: 11:05
